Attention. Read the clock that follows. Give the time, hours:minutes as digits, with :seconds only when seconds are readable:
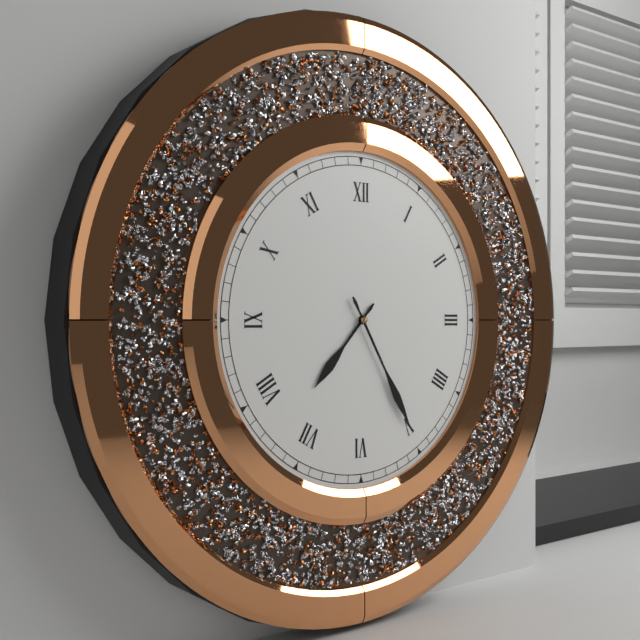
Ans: 7:25
